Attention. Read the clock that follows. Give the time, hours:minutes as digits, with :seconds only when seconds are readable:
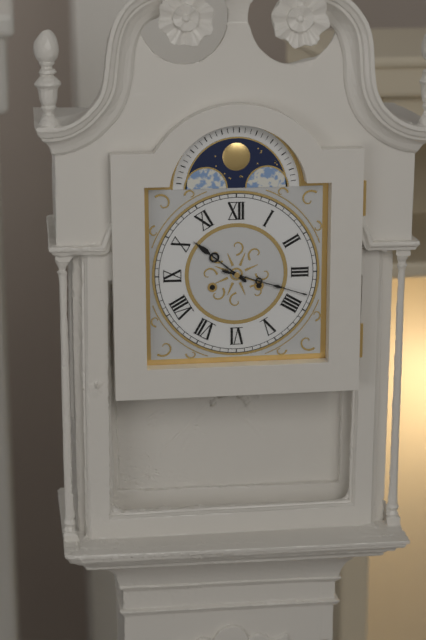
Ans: 10:18
